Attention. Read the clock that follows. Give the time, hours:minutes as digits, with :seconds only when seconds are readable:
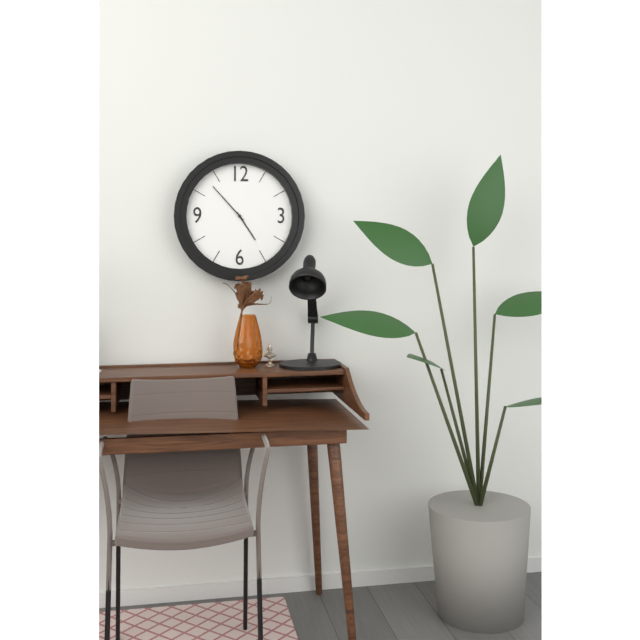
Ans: 4:53
